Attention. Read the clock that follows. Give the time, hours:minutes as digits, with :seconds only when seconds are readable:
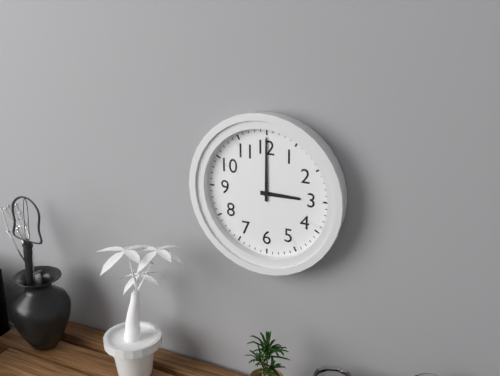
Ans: 3:00
